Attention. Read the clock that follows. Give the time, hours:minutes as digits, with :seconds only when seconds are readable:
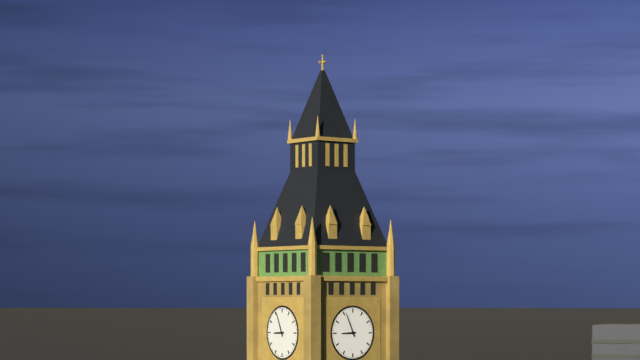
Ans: 8:56
